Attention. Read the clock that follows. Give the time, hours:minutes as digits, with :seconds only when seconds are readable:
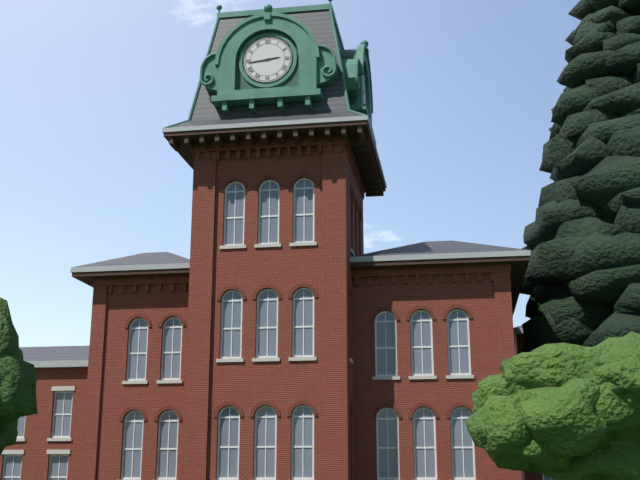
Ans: 2:44
